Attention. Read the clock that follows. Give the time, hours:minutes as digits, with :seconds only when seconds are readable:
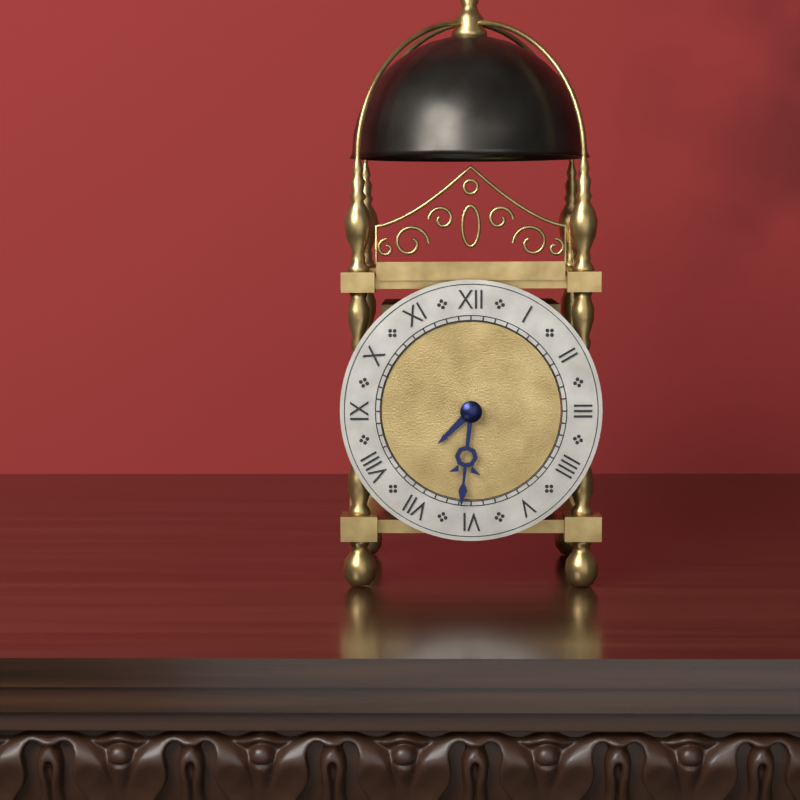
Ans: 7:31
